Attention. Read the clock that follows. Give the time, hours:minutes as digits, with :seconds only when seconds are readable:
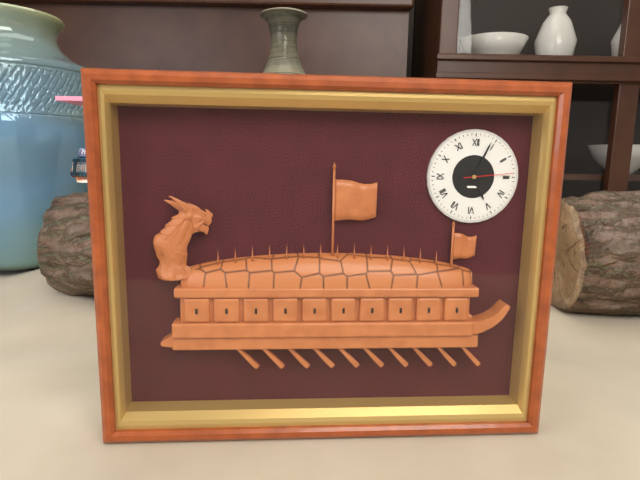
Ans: 5:04
